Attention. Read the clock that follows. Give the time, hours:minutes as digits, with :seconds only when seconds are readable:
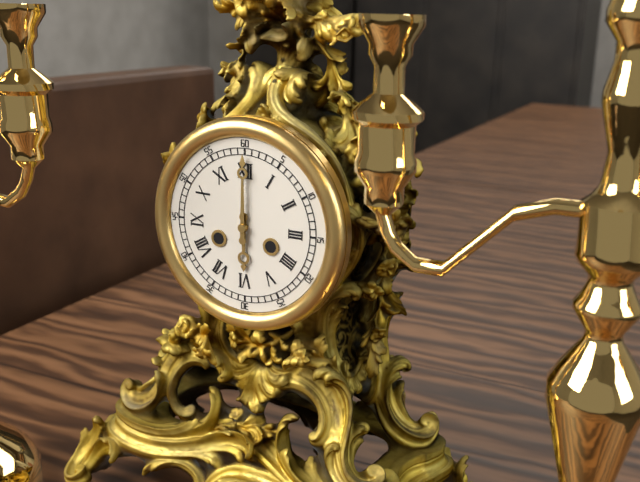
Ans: 6:00
